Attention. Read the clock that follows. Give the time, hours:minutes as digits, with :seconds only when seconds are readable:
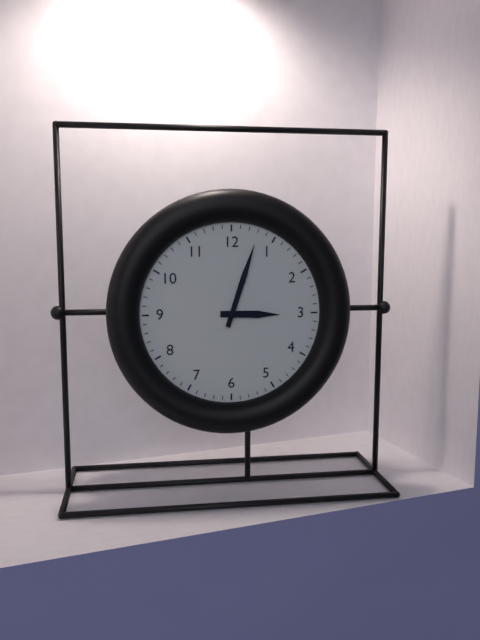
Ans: 3:03
